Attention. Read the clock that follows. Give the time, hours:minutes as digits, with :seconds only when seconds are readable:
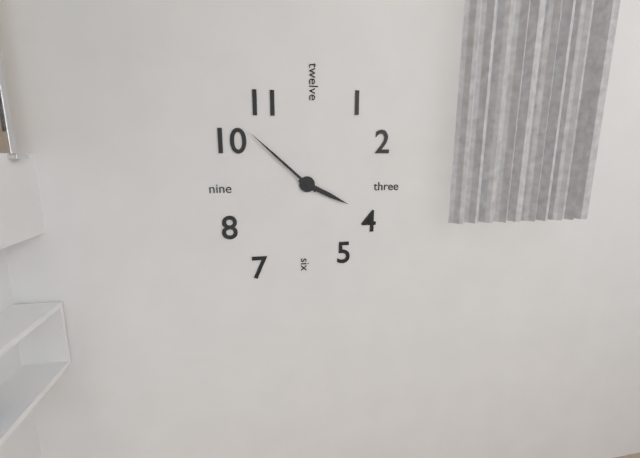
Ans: 3:52
